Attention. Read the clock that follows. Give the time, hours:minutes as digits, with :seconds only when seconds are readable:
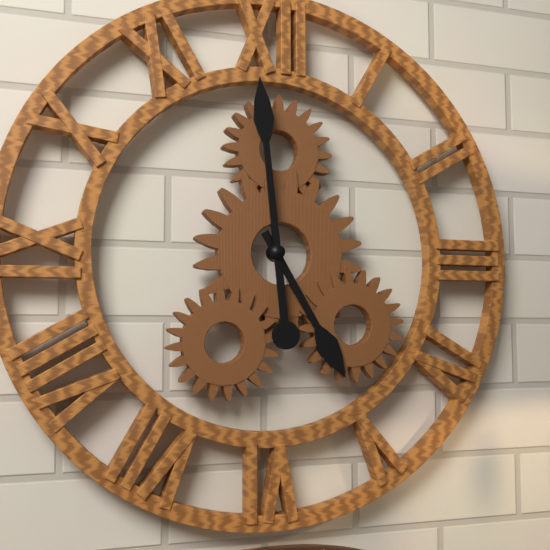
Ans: 4:59
